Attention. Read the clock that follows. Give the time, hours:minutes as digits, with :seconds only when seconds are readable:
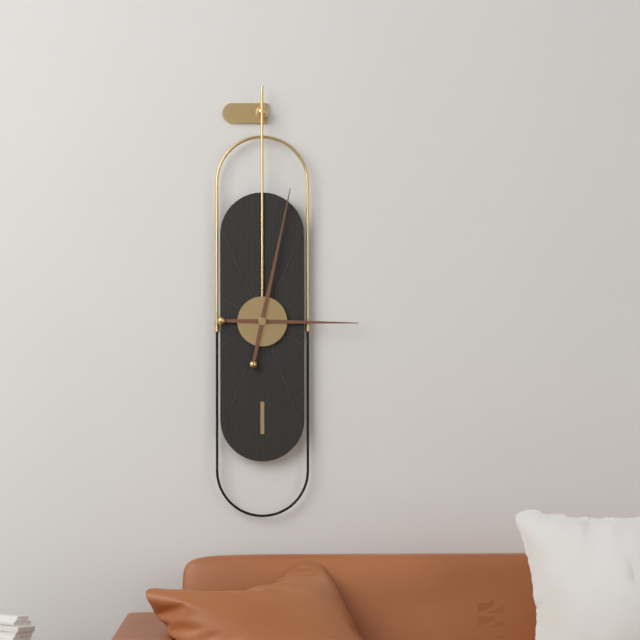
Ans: 3:02
